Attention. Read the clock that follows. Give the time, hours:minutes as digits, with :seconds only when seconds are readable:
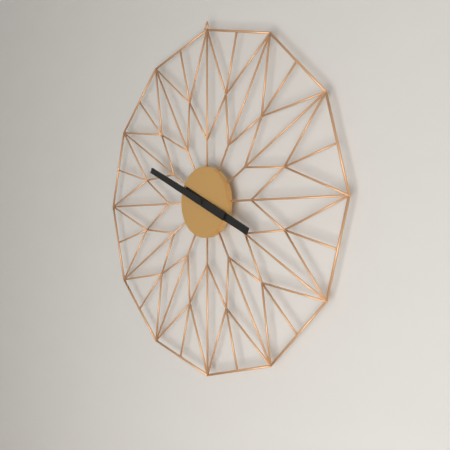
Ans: 3:49
